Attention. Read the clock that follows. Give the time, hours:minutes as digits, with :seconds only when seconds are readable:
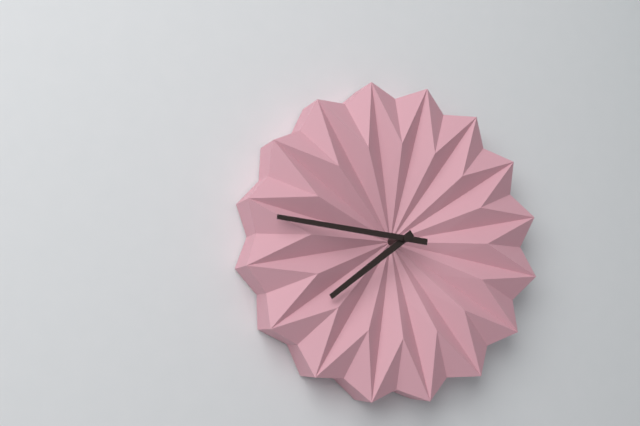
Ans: 7:46
